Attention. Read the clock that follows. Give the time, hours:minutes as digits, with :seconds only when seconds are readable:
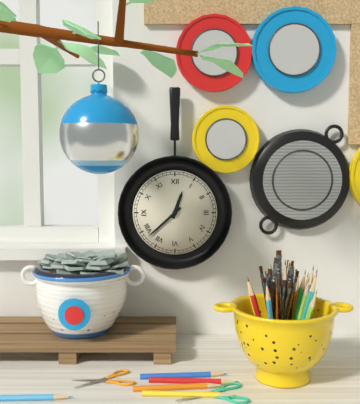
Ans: 12:38
